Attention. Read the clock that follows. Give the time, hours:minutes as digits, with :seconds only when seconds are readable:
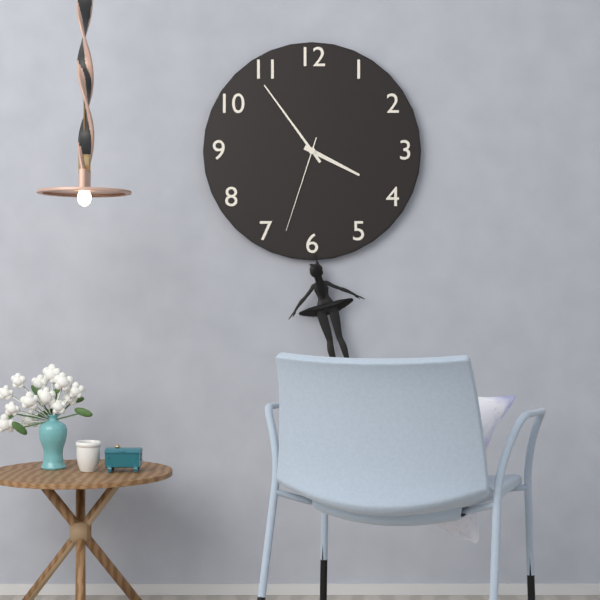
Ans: 3:54:33
